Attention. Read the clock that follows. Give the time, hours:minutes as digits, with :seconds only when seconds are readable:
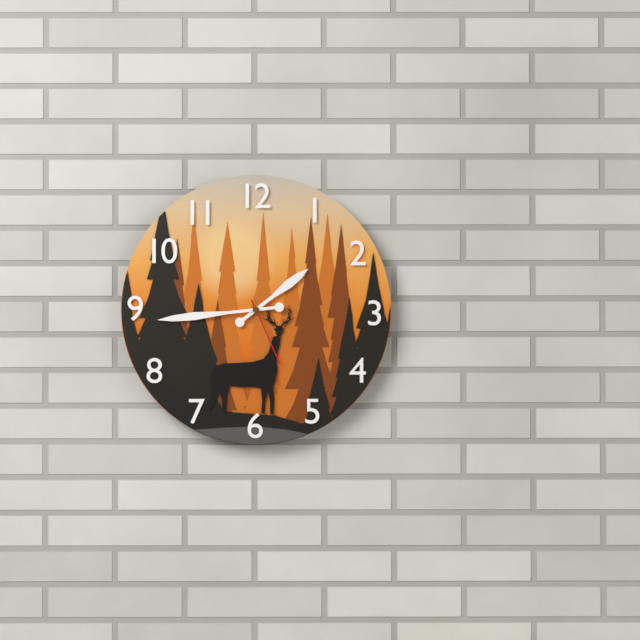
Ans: 1:44:26
